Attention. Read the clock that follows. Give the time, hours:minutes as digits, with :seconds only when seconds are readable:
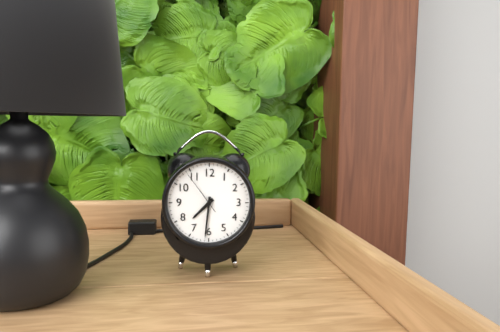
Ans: 7:31
